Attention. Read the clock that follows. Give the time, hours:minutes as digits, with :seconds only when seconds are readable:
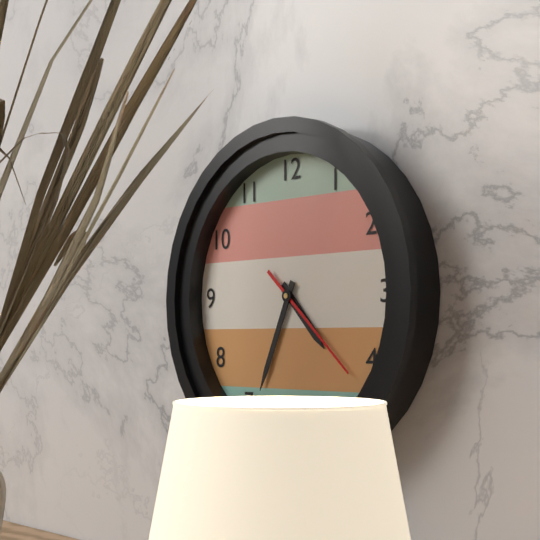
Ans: 4:34:22
